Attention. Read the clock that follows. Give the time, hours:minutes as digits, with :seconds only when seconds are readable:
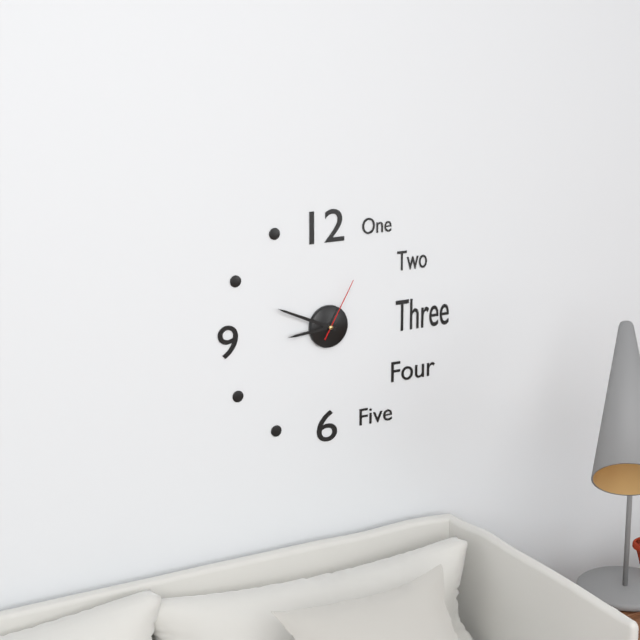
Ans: 8:49:05
